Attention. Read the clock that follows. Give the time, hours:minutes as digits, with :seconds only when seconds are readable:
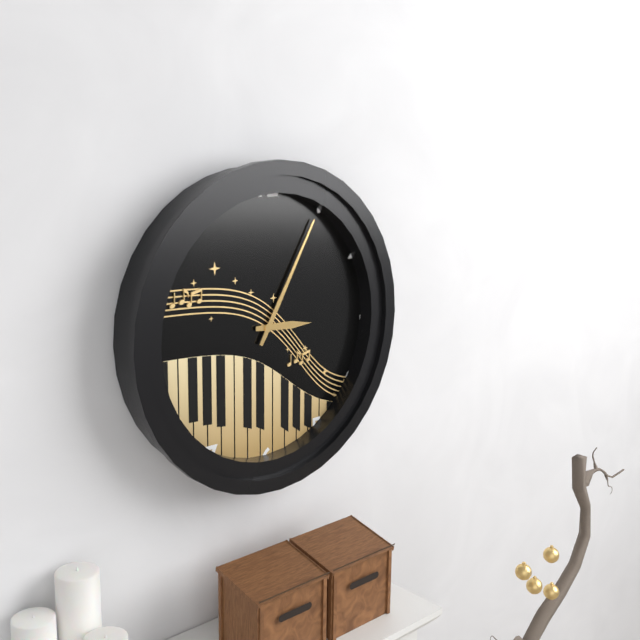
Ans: 3:05
